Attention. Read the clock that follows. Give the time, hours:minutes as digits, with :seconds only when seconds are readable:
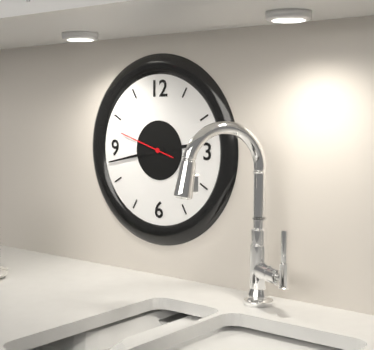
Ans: 2:43:48
